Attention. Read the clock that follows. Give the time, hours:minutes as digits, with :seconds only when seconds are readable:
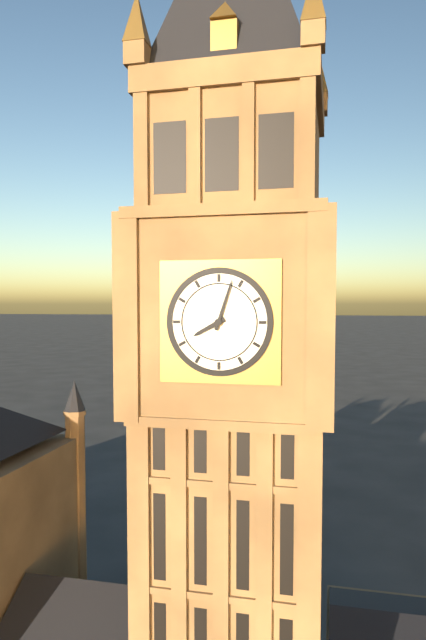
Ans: 8:03
